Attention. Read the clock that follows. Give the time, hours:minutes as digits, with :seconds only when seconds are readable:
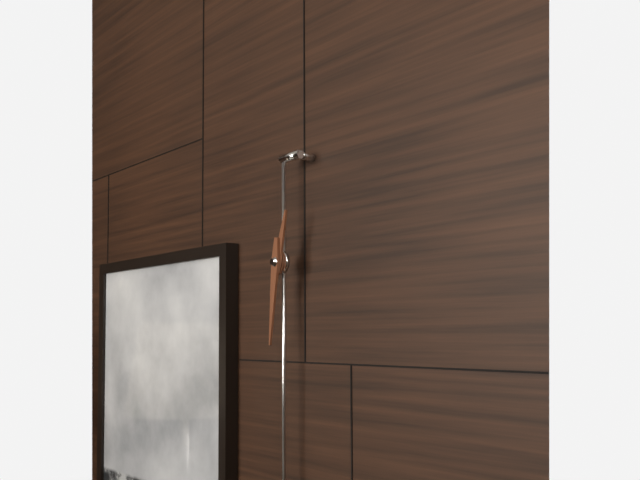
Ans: 12:31
